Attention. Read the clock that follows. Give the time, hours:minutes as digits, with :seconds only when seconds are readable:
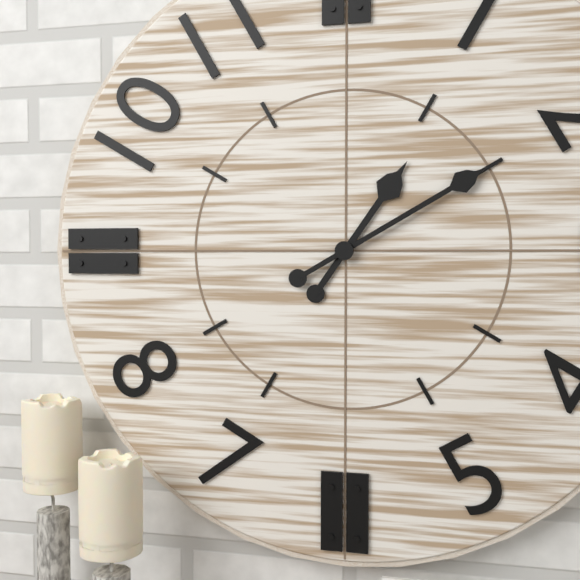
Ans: 1:10
